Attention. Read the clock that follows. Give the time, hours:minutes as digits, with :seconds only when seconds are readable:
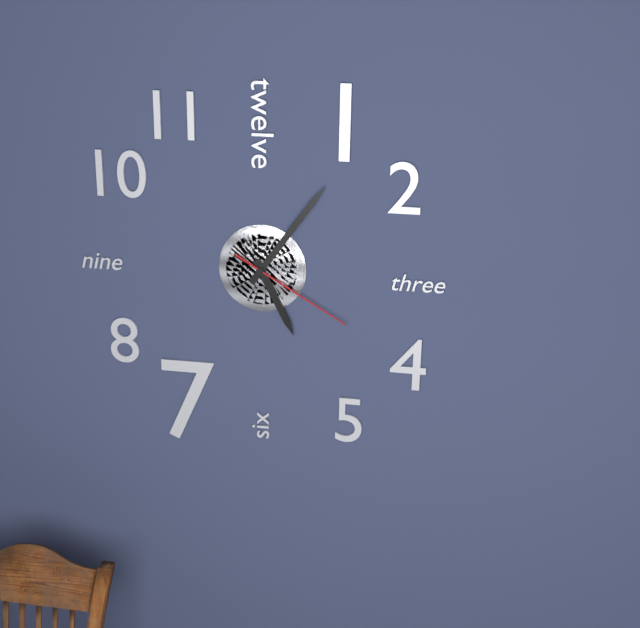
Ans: 5:06:20
